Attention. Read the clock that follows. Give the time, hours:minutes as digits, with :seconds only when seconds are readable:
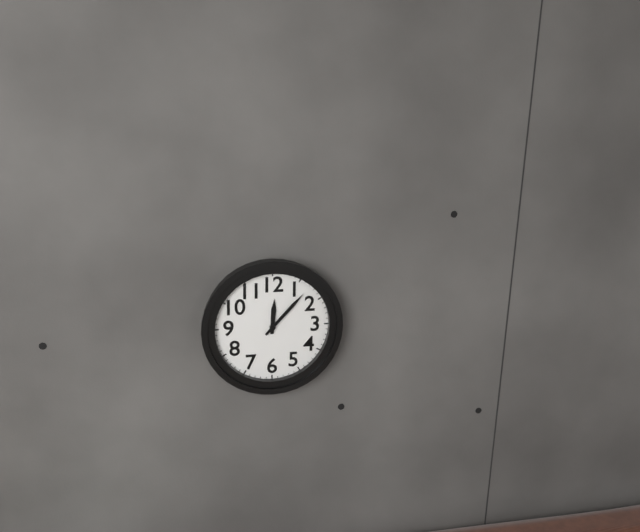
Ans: 12:07
